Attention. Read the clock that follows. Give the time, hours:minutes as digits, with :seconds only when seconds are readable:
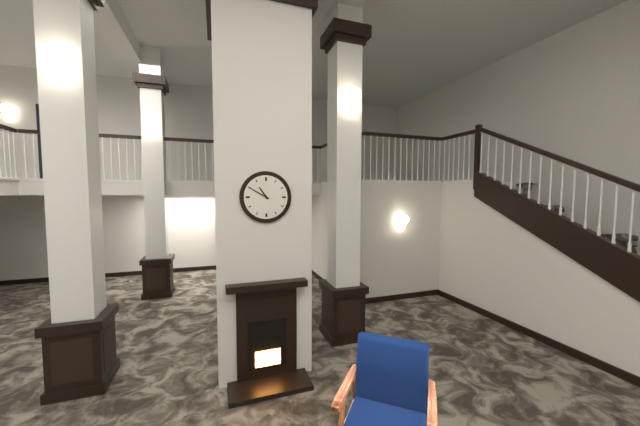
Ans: 10:50
